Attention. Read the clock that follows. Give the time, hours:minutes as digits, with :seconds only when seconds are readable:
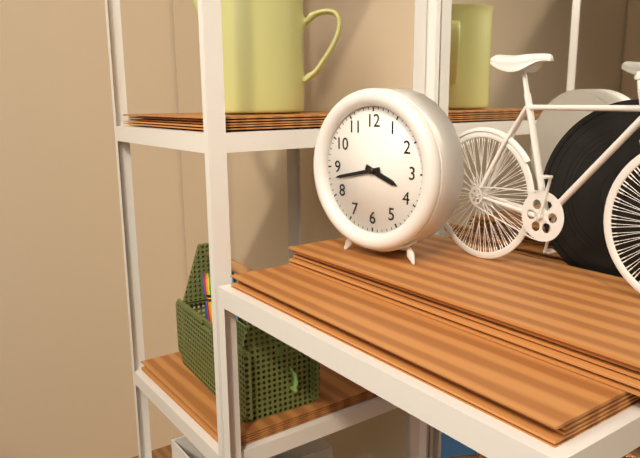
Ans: 3:43
